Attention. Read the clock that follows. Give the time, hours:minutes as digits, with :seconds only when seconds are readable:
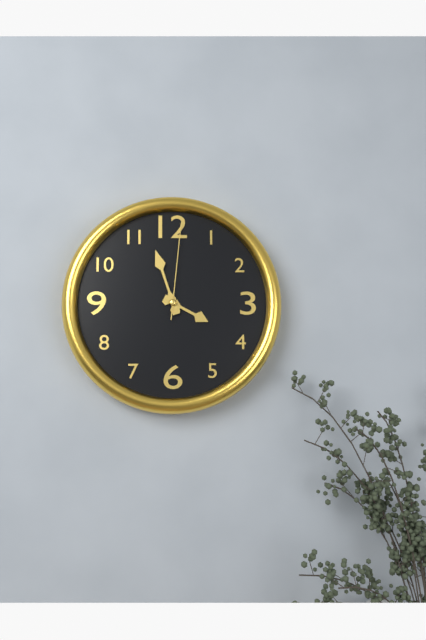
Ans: 3:57:01
